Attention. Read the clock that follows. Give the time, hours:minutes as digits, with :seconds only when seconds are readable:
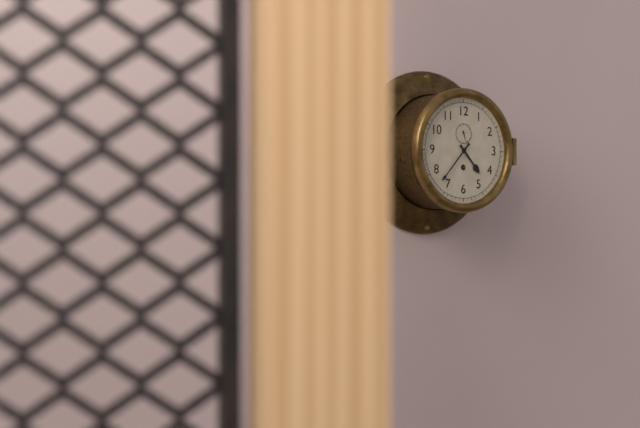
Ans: 4:37
